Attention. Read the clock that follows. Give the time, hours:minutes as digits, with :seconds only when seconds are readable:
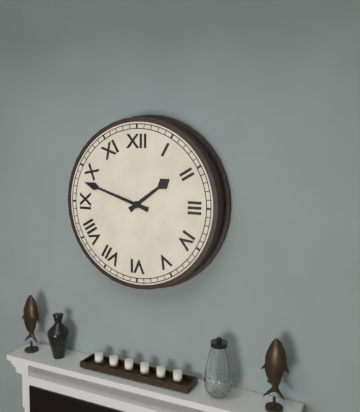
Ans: 1:48
